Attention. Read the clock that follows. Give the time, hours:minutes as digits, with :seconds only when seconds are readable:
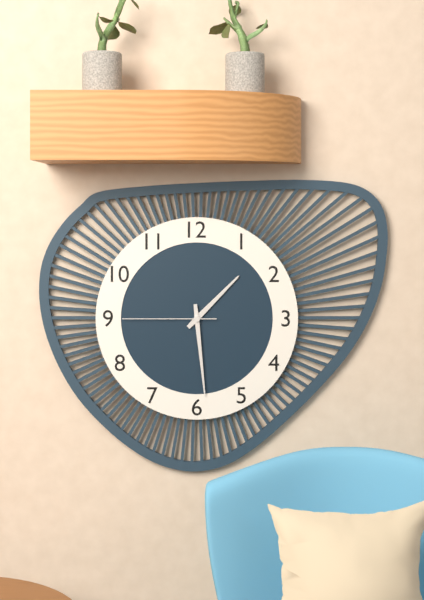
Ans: 1:29:45
